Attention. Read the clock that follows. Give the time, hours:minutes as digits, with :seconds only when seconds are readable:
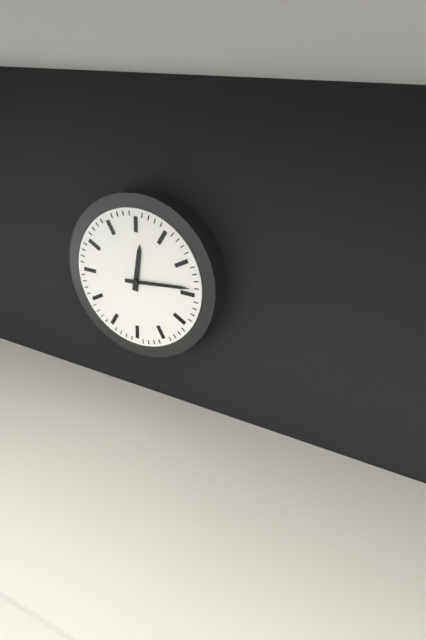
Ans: 12:14
